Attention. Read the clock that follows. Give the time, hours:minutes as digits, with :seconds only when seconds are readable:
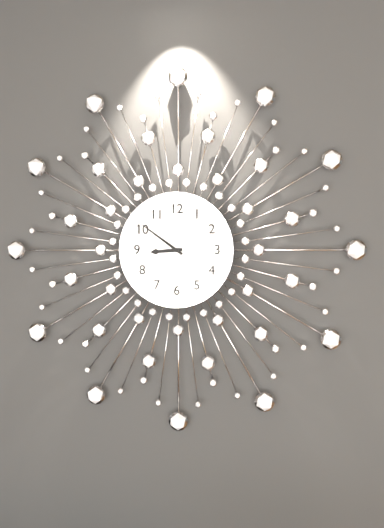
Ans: 8:51
